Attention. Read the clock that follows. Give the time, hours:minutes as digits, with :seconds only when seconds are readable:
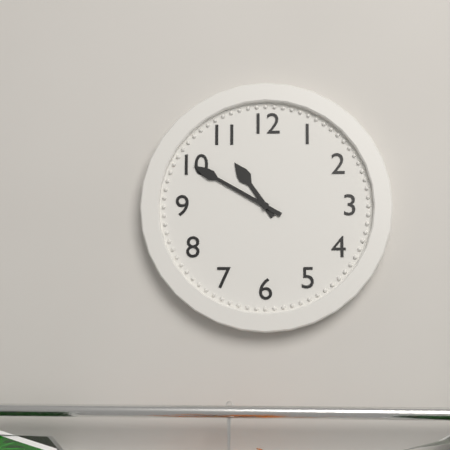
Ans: 10:50
